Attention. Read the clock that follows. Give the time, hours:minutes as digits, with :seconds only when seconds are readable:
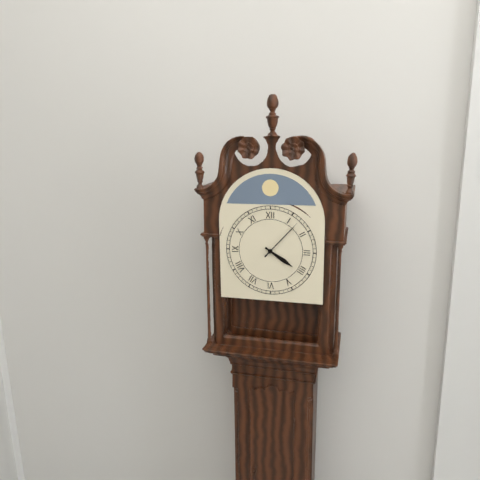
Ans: 4:07
